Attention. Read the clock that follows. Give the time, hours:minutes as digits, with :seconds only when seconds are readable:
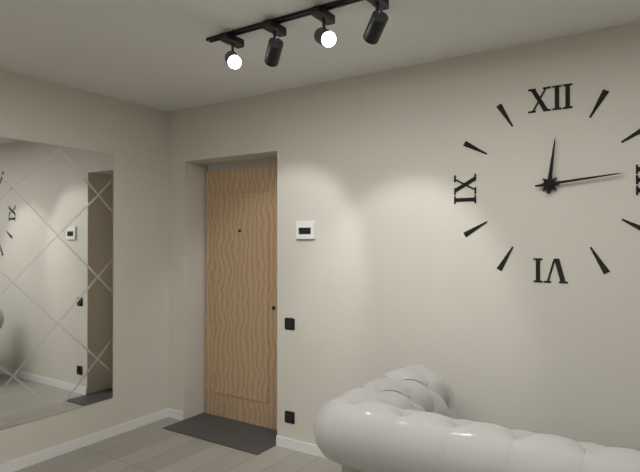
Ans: 12:14
